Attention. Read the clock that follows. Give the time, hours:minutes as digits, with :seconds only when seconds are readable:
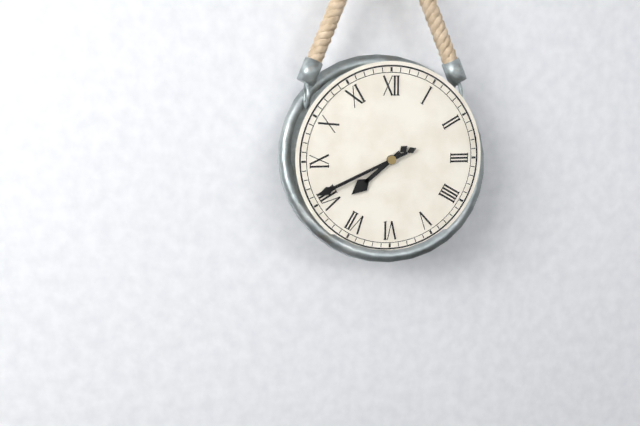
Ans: 7:41
